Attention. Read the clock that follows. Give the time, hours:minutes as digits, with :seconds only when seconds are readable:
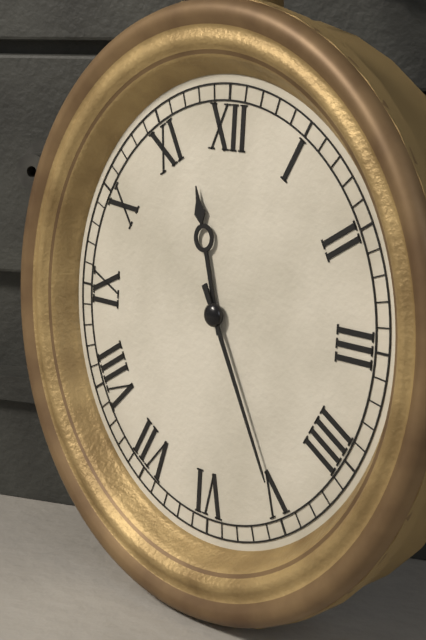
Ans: 11:25
